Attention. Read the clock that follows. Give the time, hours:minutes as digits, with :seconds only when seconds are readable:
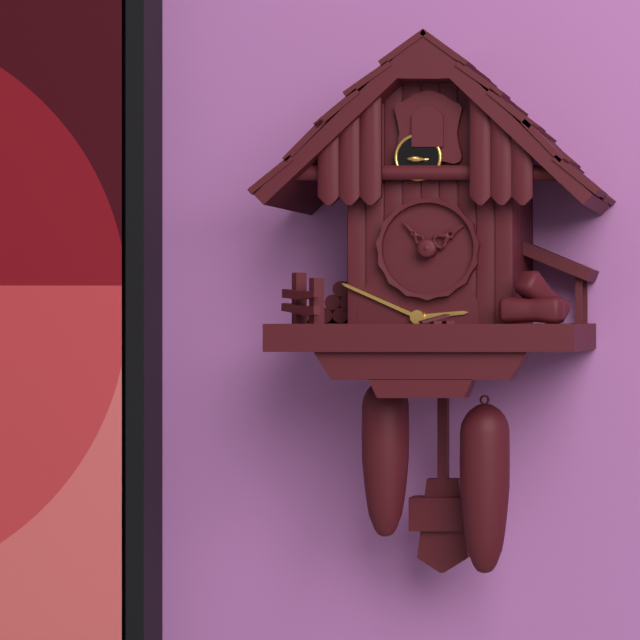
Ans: 2:49
